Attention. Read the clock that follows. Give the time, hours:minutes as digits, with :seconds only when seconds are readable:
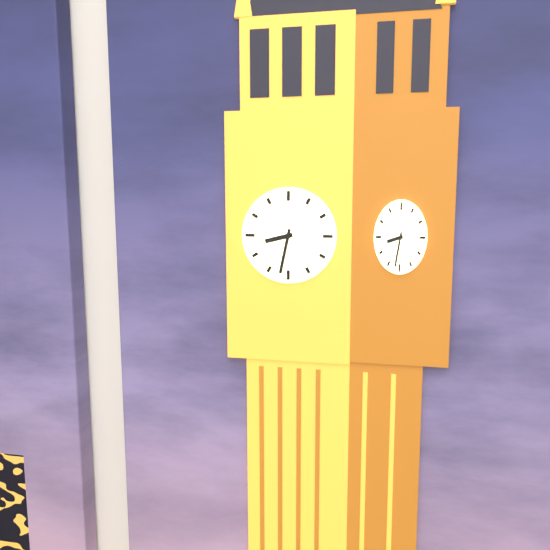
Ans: 8:32
